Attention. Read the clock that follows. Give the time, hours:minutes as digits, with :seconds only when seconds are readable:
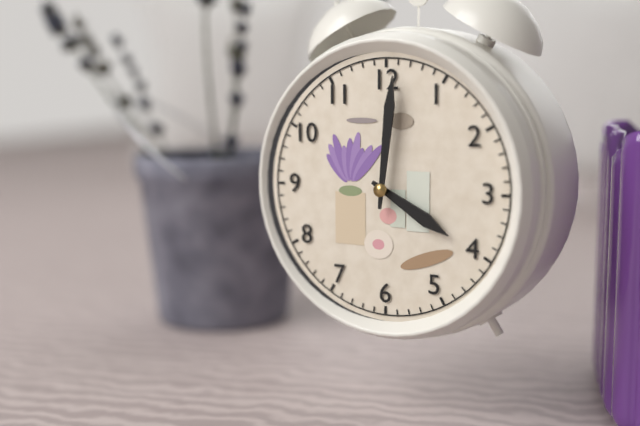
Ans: 4:01
